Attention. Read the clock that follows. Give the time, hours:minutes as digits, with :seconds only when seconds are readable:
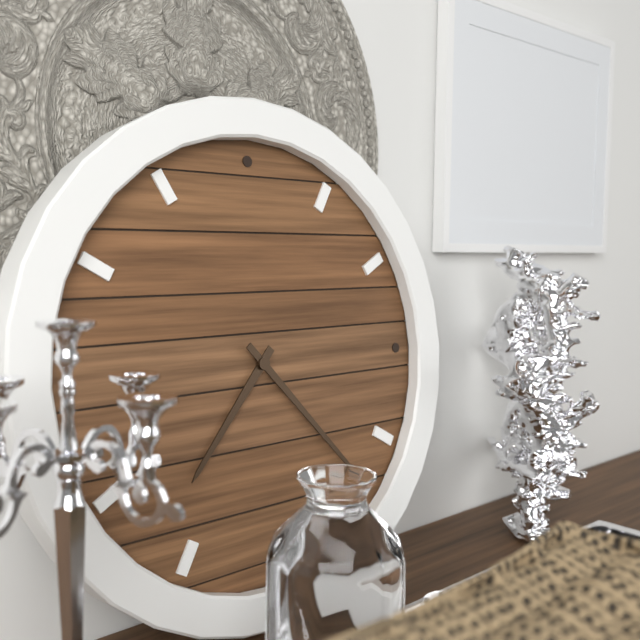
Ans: 7:23
